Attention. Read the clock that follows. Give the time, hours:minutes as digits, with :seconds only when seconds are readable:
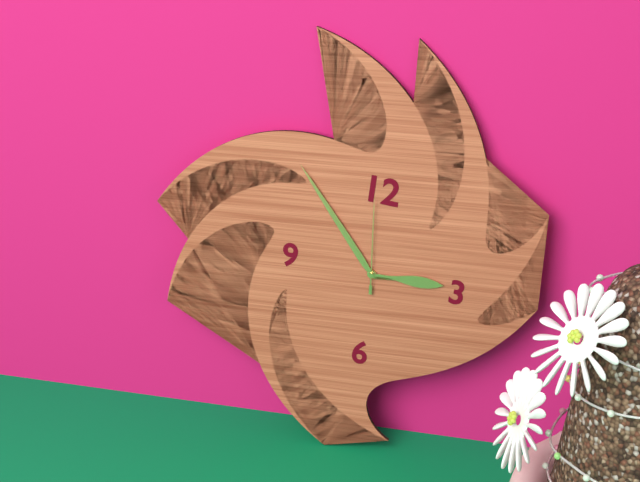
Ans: 2:53:59
